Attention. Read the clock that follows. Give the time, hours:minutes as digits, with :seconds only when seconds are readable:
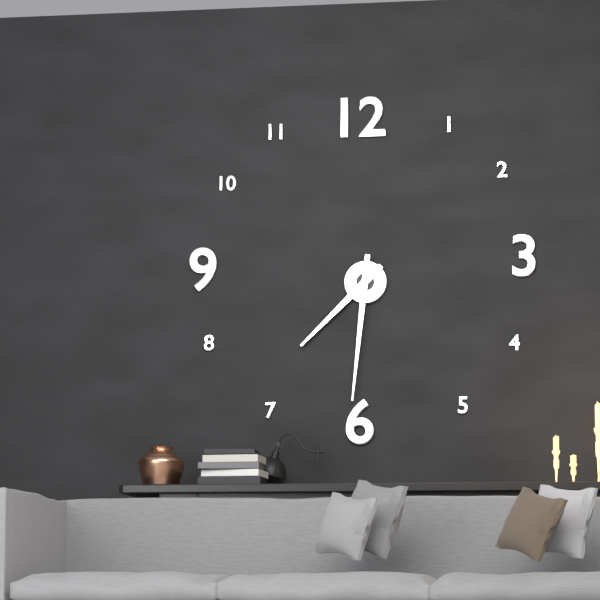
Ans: 7:31
